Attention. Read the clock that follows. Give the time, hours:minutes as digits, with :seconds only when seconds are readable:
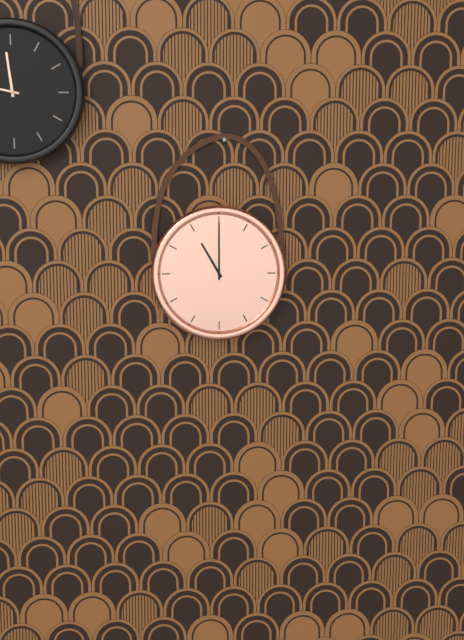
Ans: 11:00
